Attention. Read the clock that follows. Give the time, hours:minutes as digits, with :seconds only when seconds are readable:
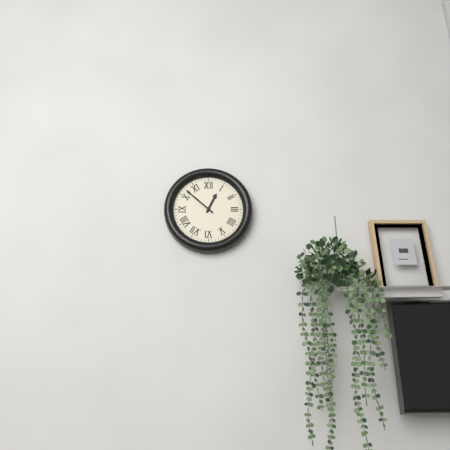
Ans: 12:52
